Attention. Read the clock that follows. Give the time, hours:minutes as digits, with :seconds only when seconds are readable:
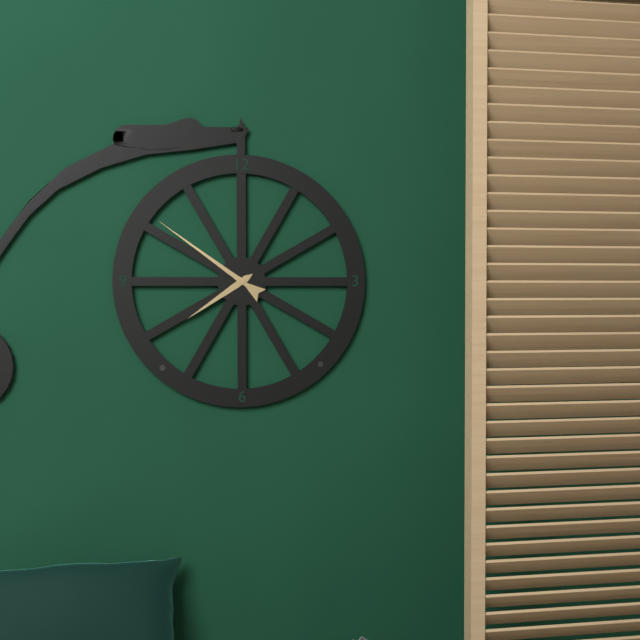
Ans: 7:51
